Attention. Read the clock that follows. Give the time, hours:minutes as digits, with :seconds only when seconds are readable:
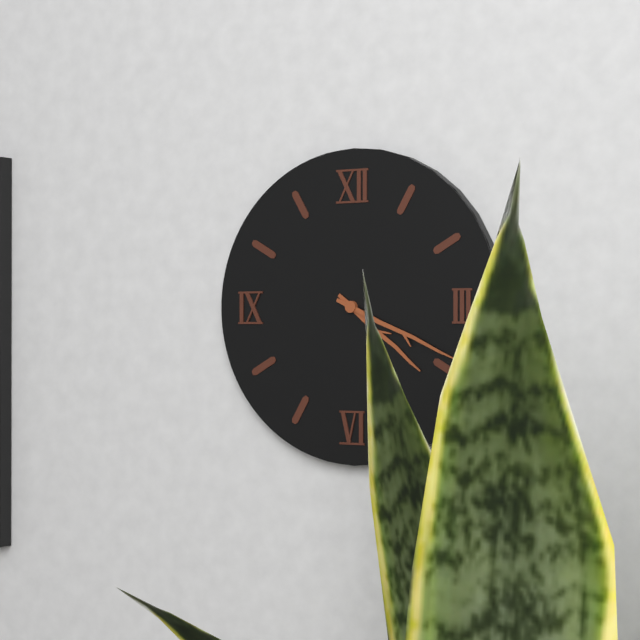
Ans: 4:19
